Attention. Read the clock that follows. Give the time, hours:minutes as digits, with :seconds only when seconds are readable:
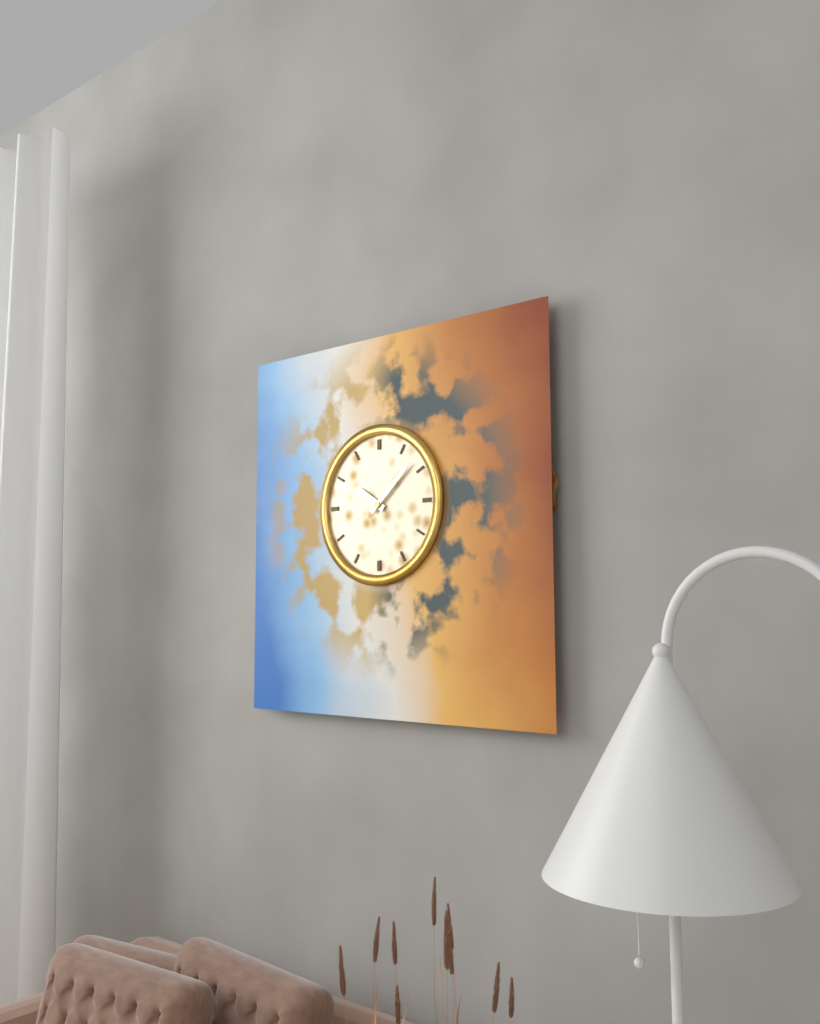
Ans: 10:08
